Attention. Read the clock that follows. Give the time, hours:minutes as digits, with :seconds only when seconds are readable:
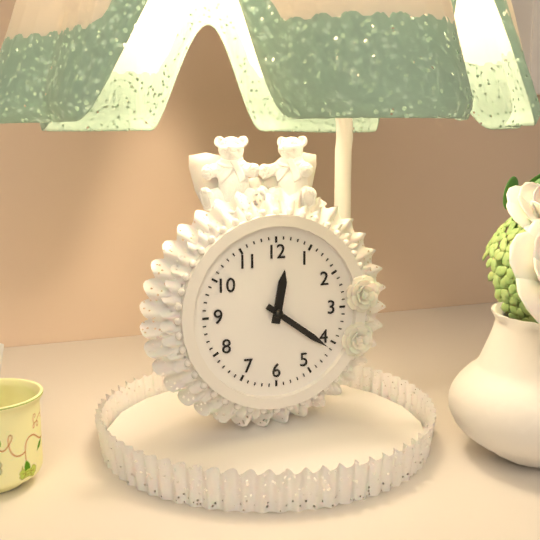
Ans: 12:21
